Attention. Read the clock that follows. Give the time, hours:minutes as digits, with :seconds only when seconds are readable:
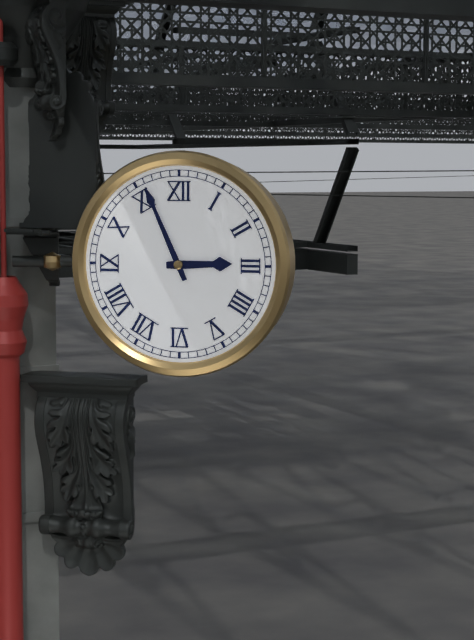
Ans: 2:56
